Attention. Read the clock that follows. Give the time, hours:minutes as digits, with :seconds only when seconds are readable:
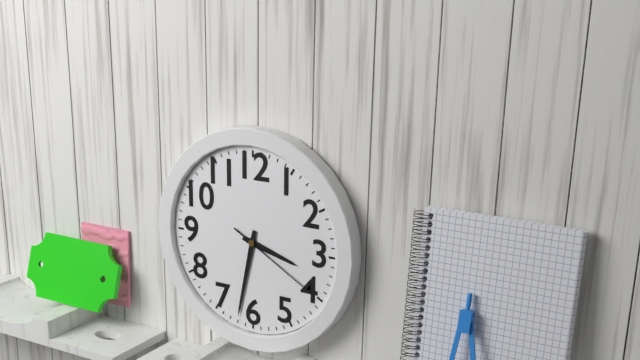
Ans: 3:32:20
